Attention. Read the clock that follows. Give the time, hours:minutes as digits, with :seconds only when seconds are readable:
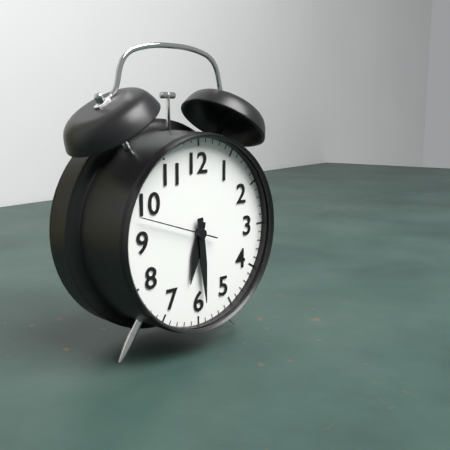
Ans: 6:29:48
